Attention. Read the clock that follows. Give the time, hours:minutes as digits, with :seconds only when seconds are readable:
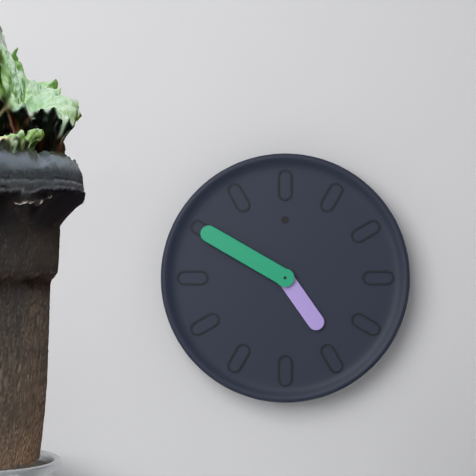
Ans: 4:50
